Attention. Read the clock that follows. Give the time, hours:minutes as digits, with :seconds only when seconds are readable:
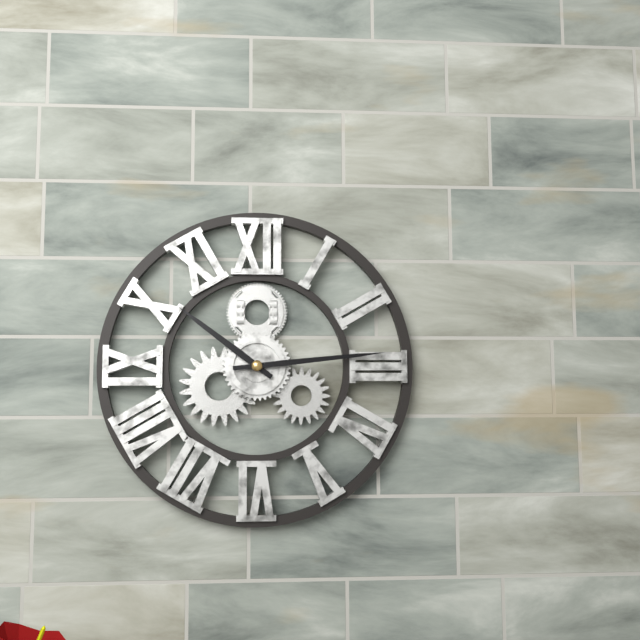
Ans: 10:14
